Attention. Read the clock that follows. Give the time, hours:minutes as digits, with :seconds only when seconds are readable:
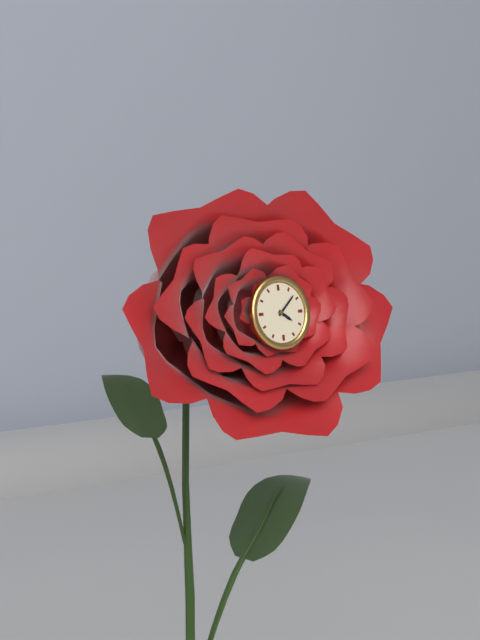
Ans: 4:08
